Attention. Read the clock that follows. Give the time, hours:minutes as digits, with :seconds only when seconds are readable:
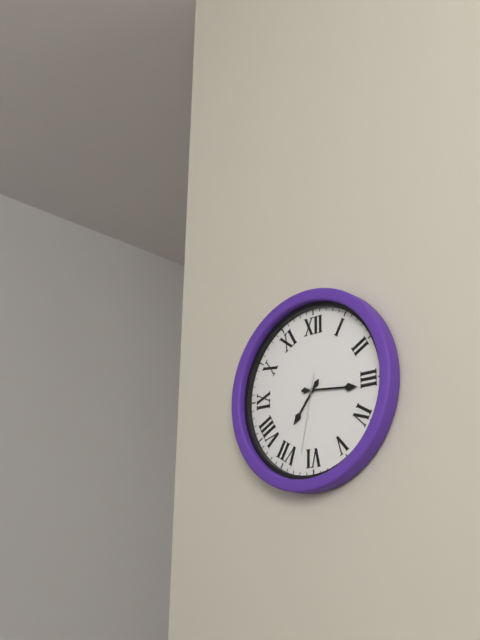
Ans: 7:16:32
